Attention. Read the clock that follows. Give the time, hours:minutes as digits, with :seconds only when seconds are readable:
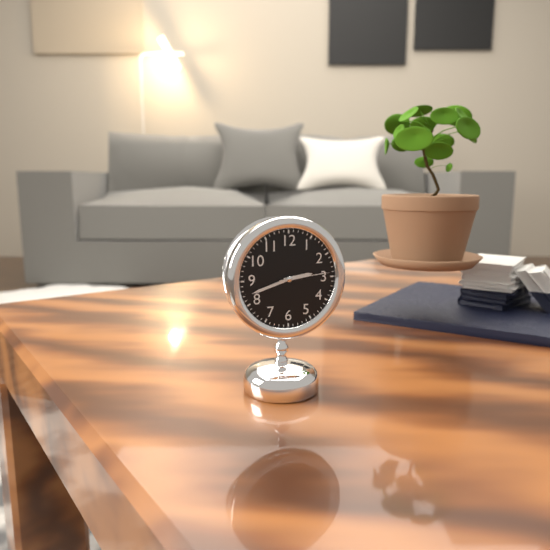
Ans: 2:42:14
